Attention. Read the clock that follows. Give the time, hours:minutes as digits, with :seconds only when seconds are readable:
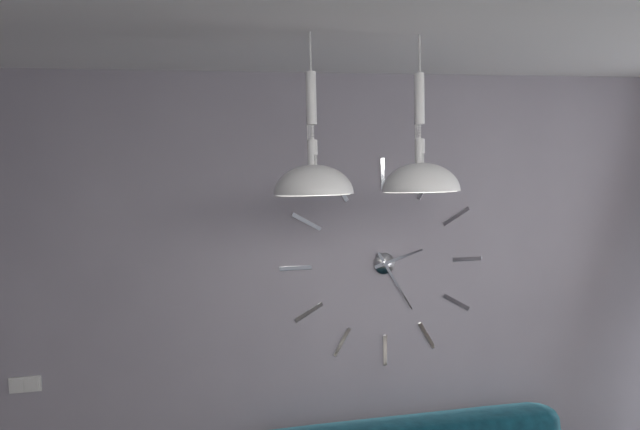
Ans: 2:25
